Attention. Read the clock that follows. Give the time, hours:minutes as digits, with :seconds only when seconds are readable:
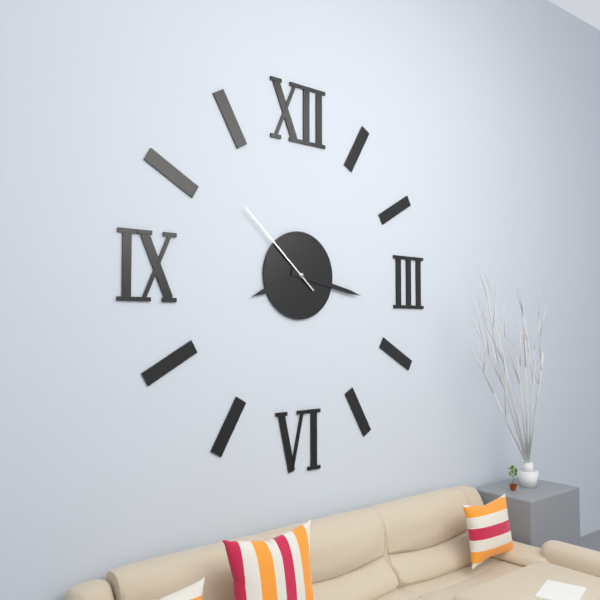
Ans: 8:17:52
